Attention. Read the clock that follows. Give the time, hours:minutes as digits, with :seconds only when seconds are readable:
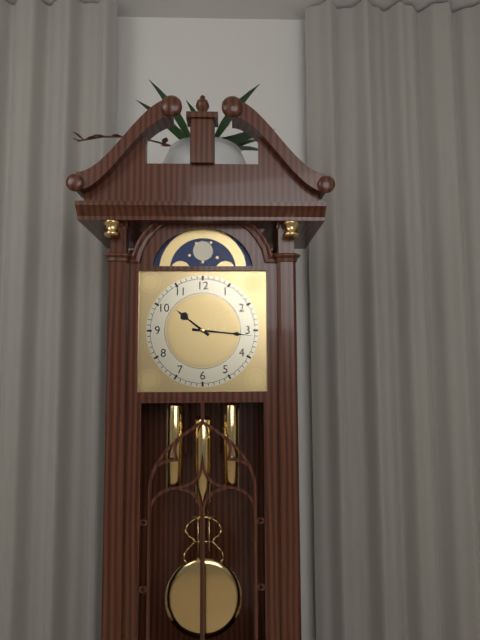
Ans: 10:16
